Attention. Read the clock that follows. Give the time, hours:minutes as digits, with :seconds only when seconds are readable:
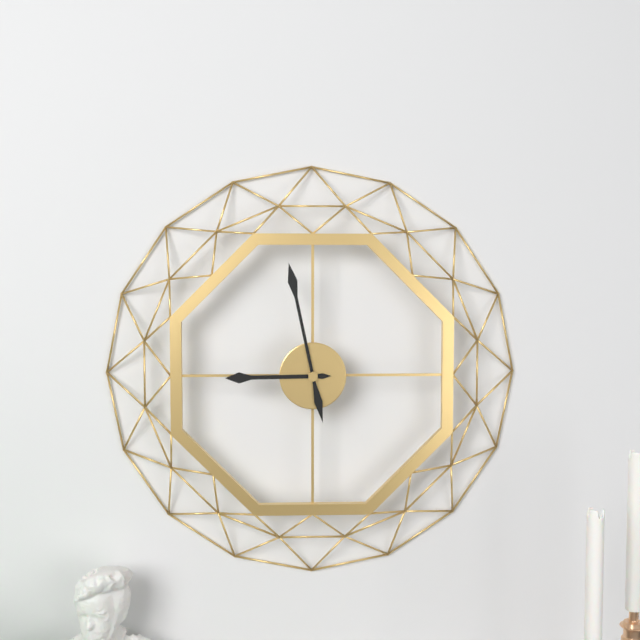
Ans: 8:58
